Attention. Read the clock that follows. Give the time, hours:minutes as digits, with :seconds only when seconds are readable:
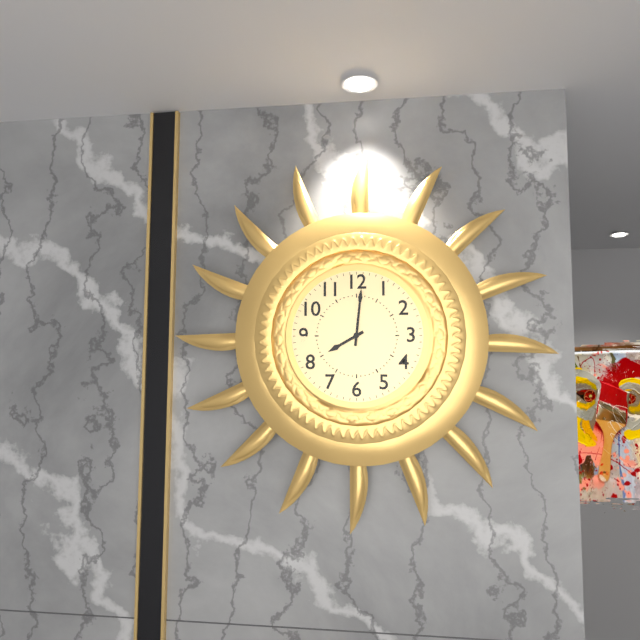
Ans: 8:01
